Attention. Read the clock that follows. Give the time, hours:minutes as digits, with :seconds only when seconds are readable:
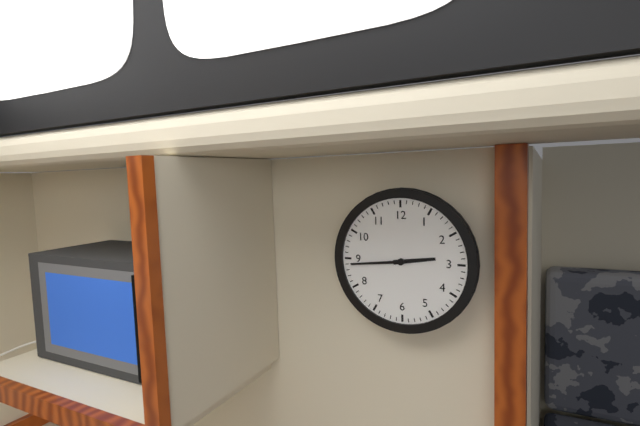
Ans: 2:44
